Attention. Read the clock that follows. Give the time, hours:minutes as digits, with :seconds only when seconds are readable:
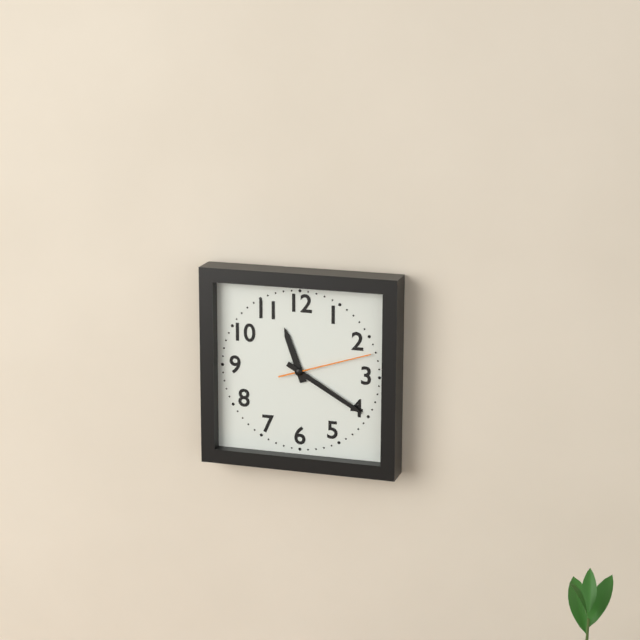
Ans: 11:20:12
